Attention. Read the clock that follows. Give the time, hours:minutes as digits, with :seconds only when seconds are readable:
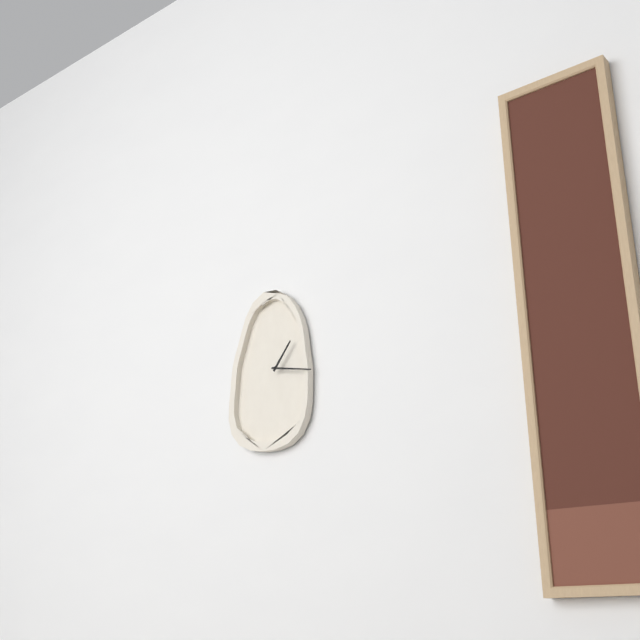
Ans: 1:17
